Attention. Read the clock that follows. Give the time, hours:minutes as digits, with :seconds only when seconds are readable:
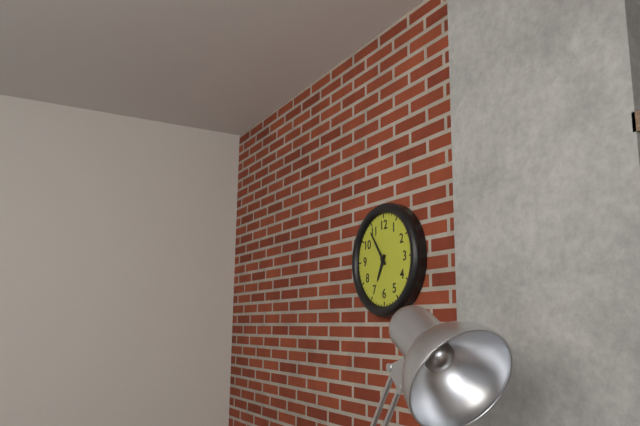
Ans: 6:54
